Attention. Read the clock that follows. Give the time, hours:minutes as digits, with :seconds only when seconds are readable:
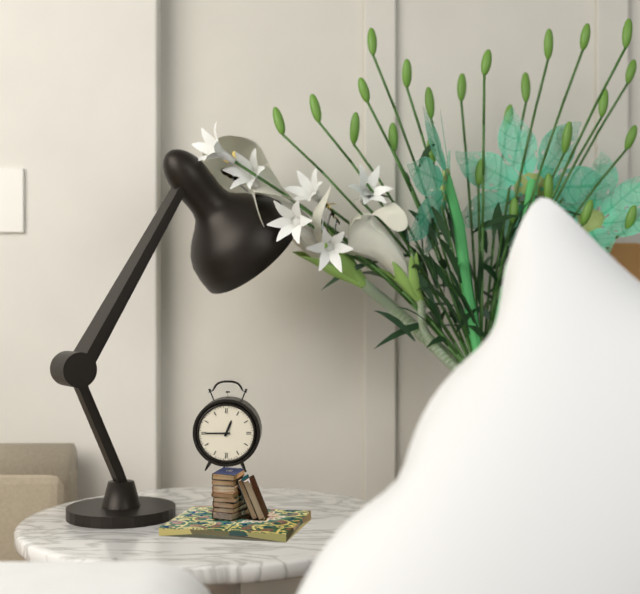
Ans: 12:45
